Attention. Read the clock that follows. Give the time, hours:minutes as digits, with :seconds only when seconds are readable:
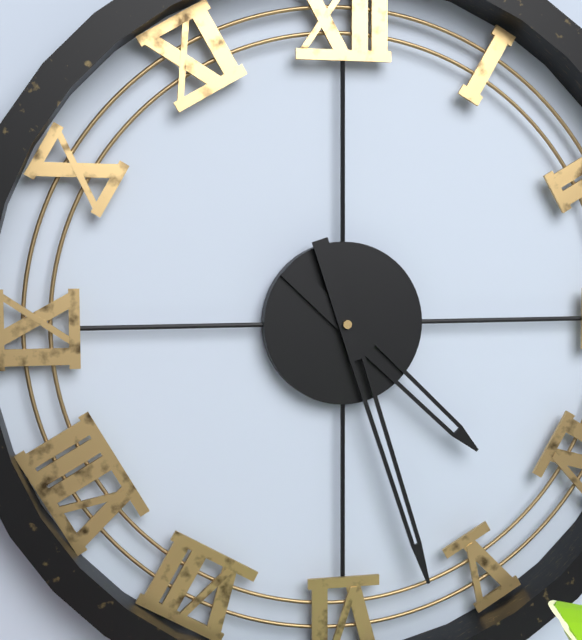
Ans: 4:27
